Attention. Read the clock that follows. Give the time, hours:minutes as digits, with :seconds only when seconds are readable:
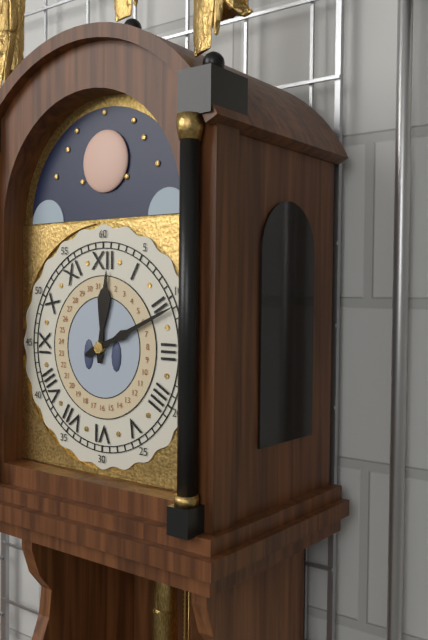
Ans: 12:11
